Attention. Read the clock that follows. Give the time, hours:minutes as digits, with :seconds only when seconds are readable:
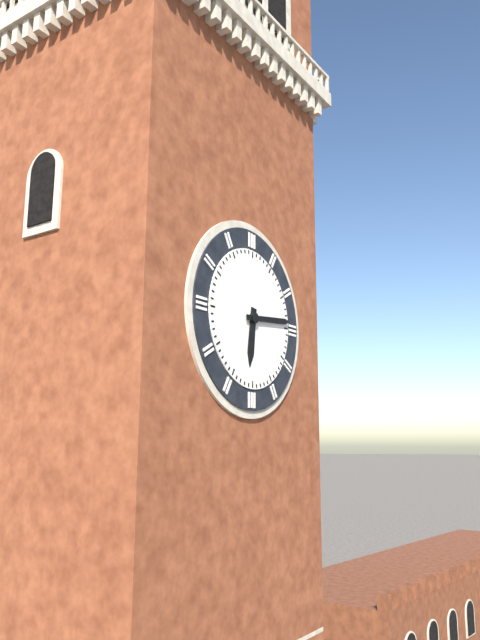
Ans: 6:14
